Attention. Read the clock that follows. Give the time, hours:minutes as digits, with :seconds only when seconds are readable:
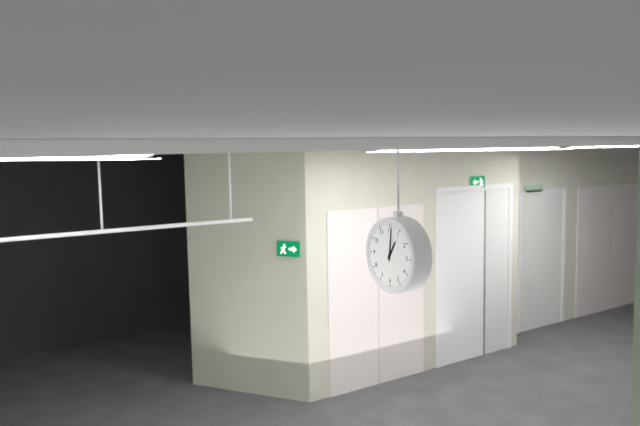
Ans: 1:01
